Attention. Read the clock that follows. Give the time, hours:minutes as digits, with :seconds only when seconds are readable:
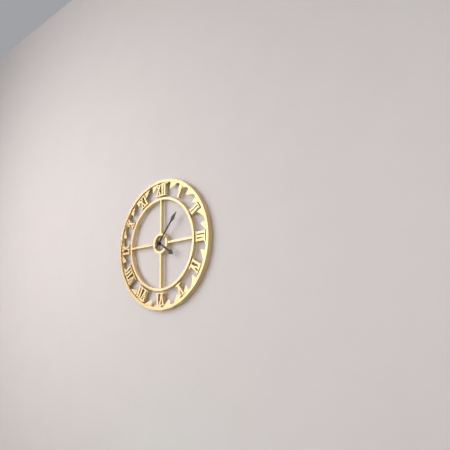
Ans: 4:07
